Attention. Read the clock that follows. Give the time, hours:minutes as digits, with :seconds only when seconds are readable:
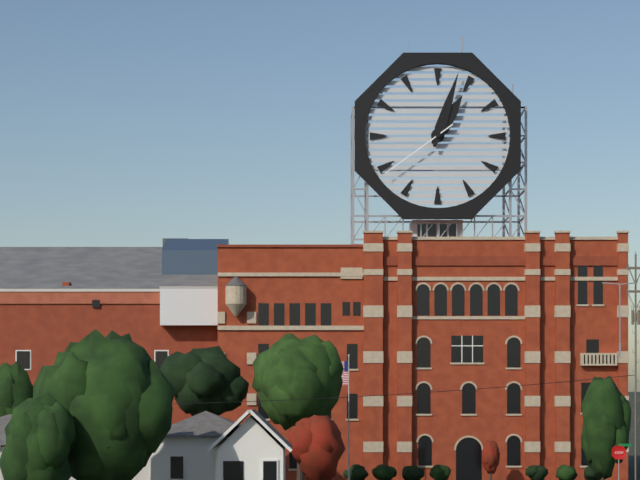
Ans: 1:03:39
